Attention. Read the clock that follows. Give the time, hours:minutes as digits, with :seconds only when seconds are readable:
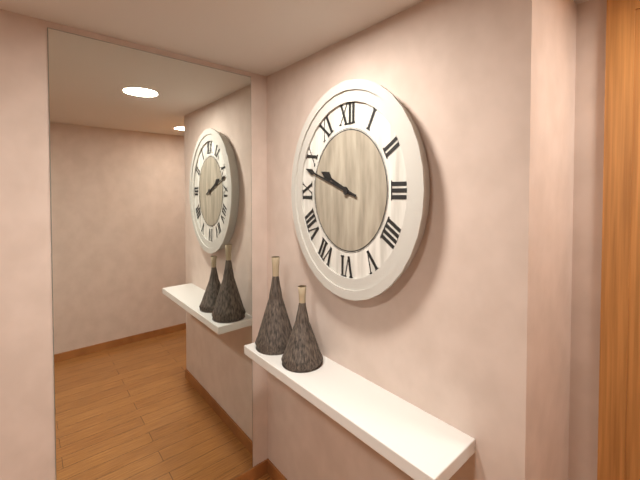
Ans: 9:48
